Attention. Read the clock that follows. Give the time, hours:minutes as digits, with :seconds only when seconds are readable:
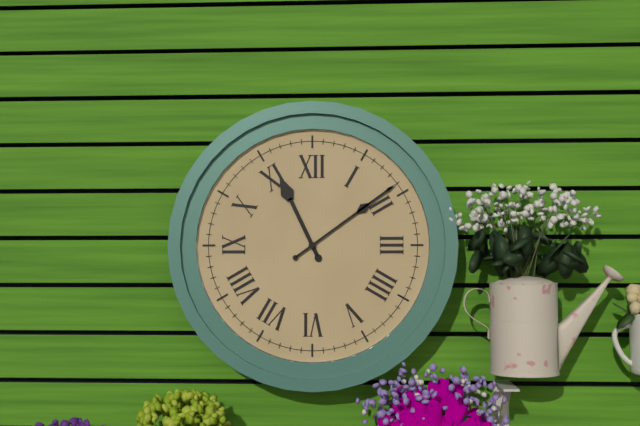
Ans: 11:09
